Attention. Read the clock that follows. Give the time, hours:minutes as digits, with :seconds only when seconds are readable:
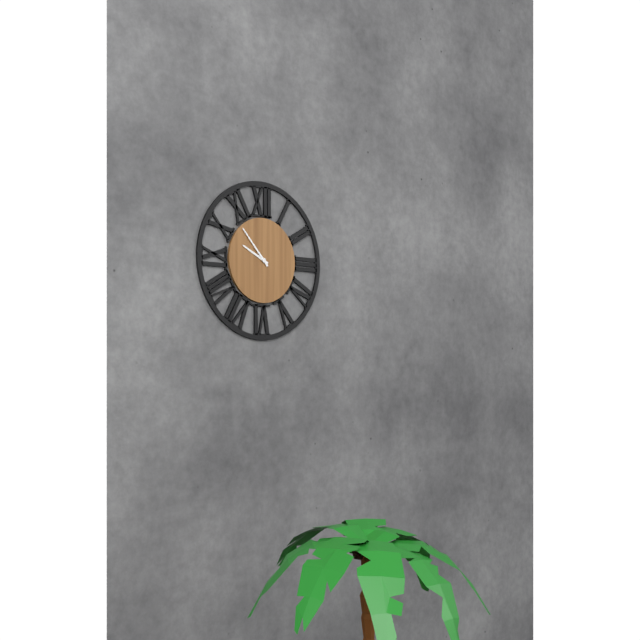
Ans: 9:53
